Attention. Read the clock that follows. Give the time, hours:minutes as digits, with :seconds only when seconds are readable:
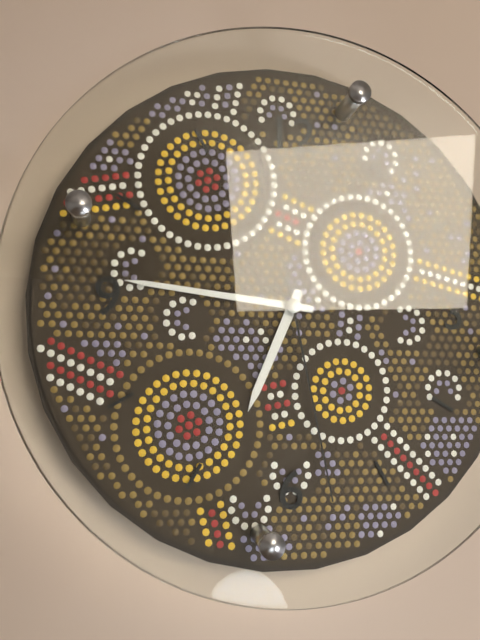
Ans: 6:46:28
